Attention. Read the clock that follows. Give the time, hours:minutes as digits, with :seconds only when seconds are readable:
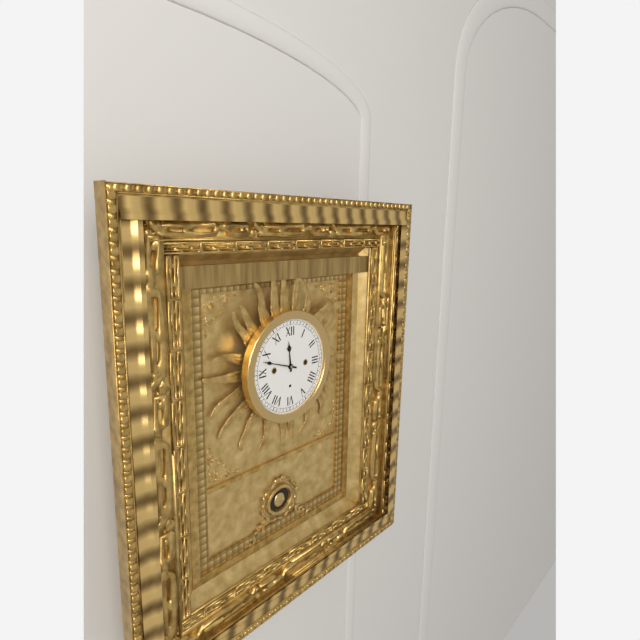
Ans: 11:48
